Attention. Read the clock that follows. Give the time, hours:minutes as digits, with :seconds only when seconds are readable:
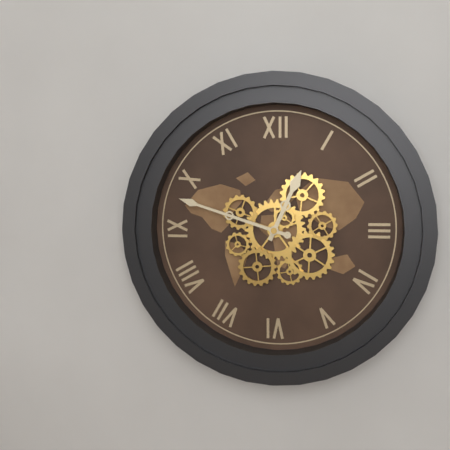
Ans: 12:48
